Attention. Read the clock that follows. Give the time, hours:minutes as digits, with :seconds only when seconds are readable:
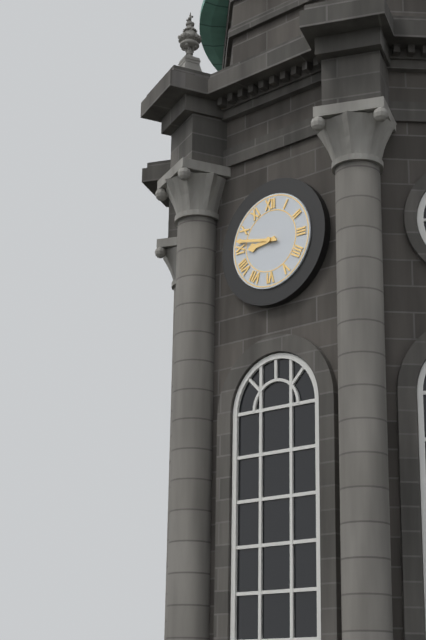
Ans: 8:47
